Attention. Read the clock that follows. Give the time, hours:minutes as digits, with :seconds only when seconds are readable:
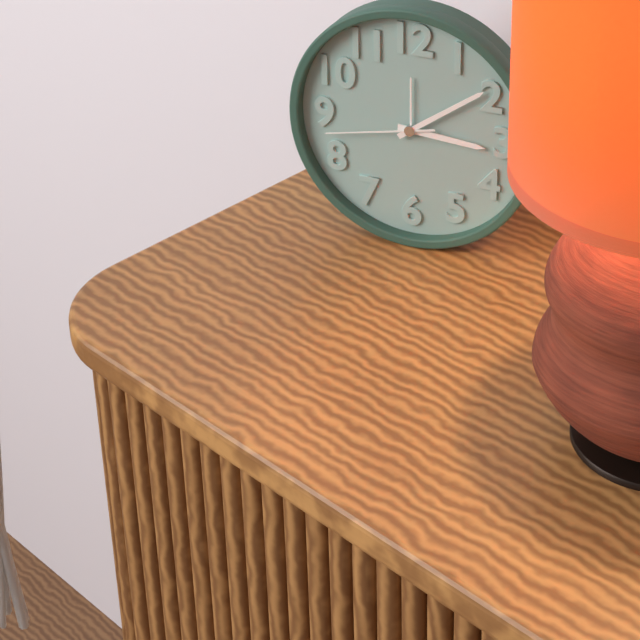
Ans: 3:09:43
